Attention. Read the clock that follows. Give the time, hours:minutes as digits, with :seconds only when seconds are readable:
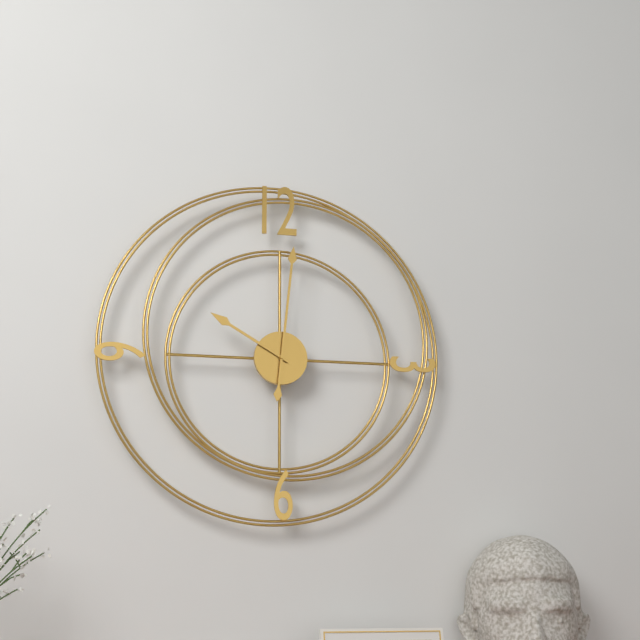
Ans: 10:01
